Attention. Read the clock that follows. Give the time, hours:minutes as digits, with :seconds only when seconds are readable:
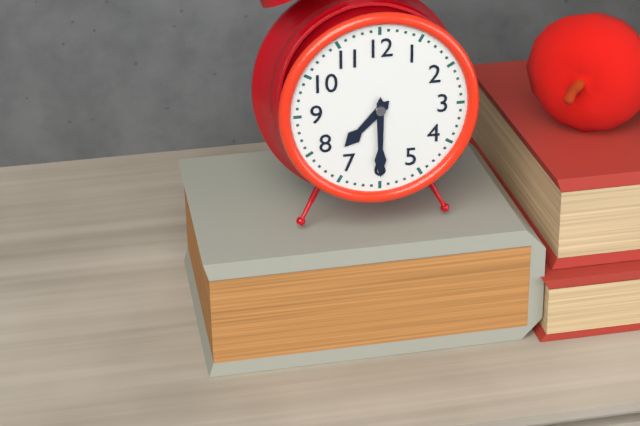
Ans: 7:30
